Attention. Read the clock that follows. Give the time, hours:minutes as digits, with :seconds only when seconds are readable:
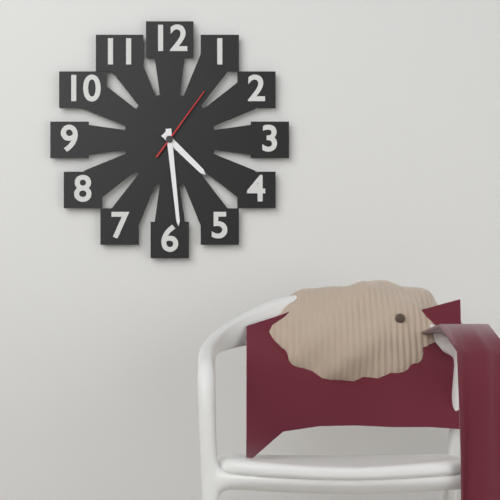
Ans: 4:29:06
